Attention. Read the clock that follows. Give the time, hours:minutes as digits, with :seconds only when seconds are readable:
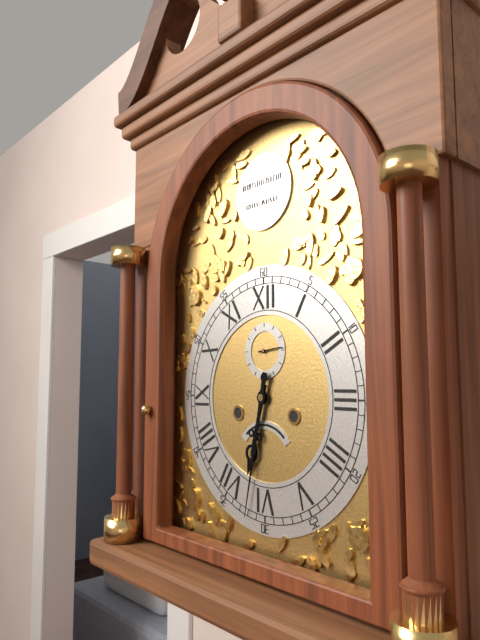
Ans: 6:32
